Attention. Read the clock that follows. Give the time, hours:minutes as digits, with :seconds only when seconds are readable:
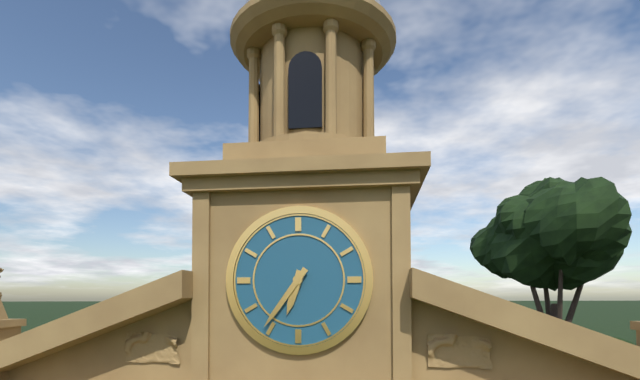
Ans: 6:36
